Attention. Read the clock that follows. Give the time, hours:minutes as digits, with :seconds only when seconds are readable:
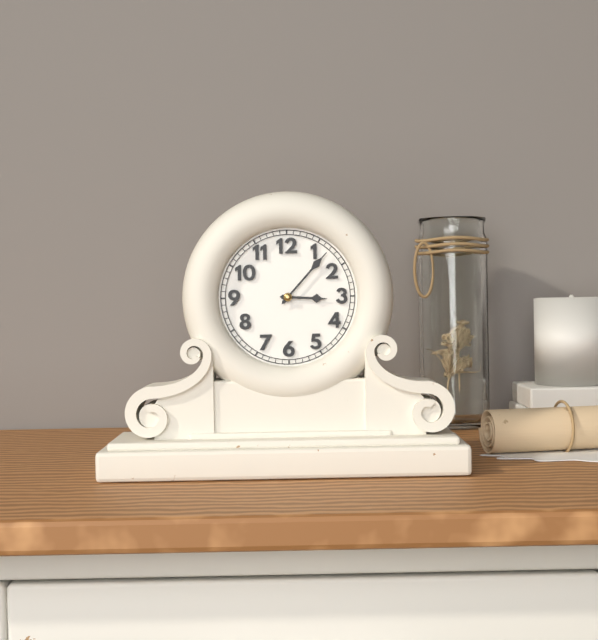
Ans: 3:07
